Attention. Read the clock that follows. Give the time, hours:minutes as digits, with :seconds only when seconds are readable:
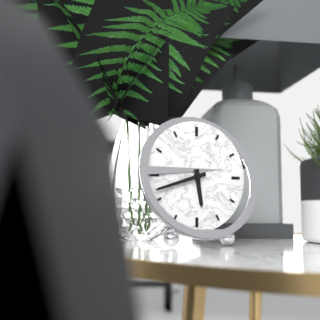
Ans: 5:42
